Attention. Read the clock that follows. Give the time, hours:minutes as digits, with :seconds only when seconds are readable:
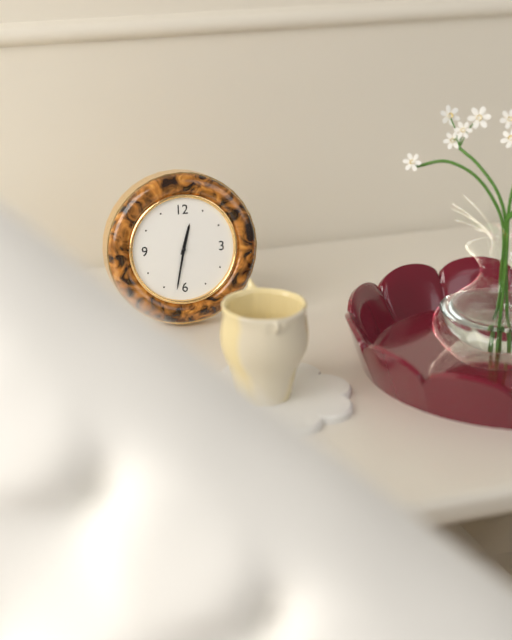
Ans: 12:32
